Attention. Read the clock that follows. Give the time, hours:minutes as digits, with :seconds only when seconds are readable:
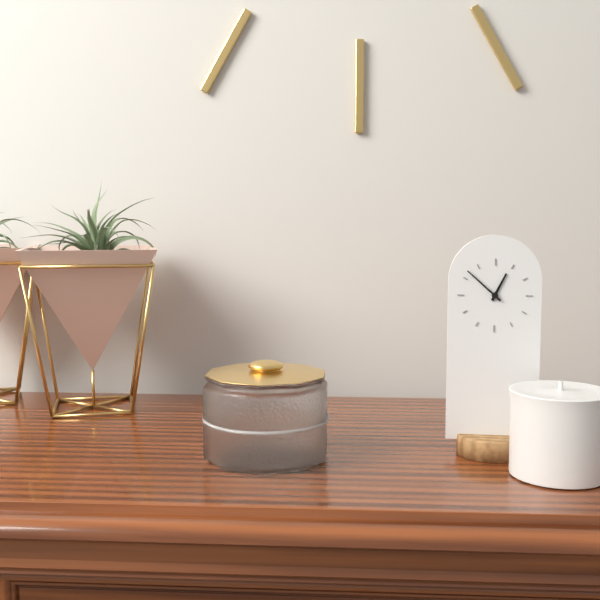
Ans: 12:52
